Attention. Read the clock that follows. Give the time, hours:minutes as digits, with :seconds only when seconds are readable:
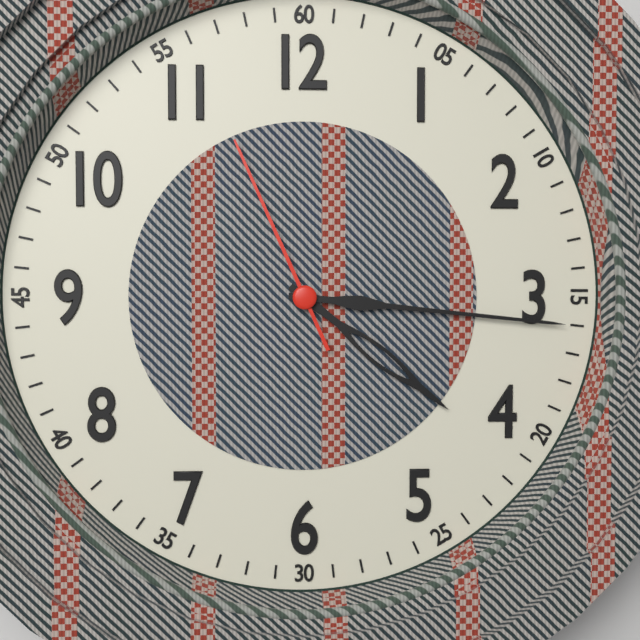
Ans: 4:16:56
